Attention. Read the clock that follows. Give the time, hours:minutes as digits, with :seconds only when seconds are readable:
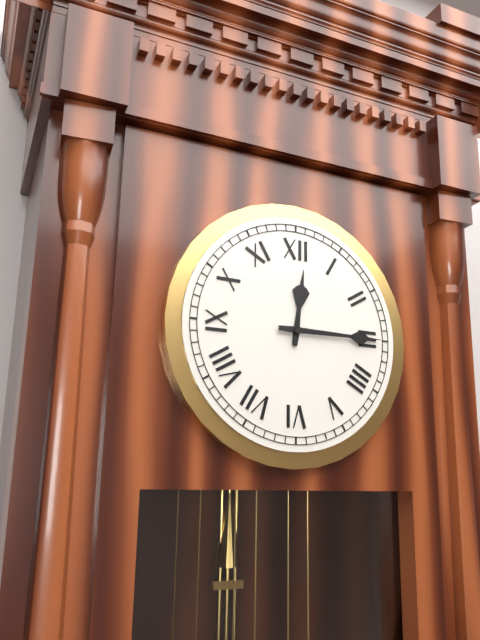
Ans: 12:15
